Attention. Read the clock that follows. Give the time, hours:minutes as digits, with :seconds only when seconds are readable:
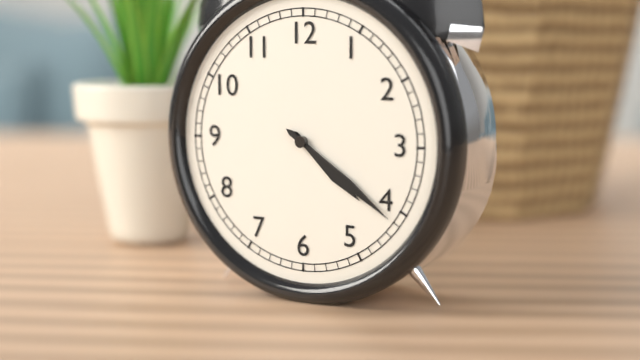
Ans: 4:21
